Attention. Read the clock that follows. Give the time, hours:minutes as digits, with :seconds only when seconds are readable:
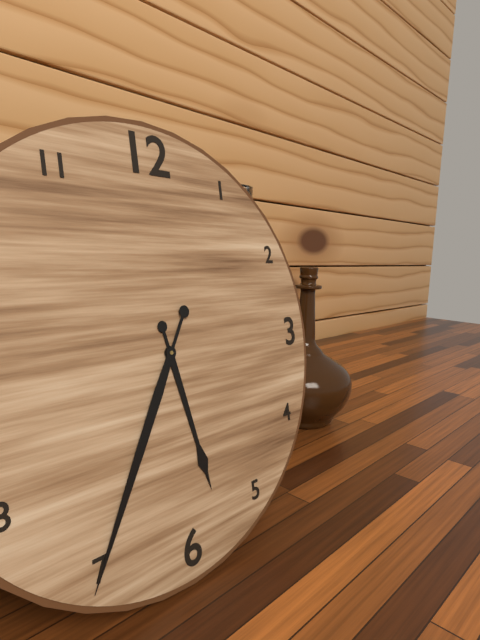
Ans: 5:35
